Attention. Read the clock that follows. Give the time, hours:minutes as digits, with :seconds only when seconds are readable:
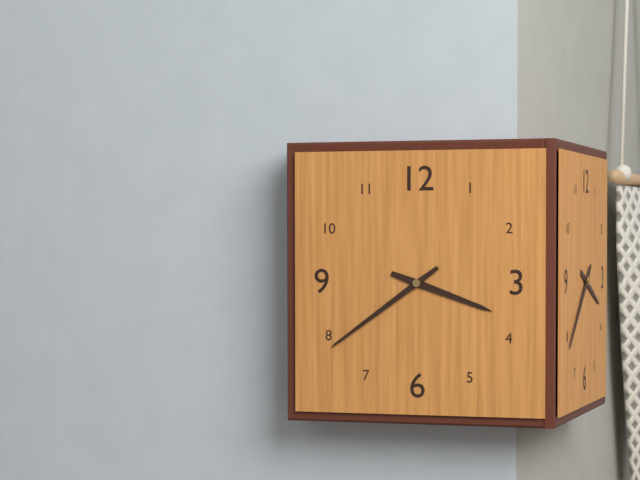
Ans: 3:39
